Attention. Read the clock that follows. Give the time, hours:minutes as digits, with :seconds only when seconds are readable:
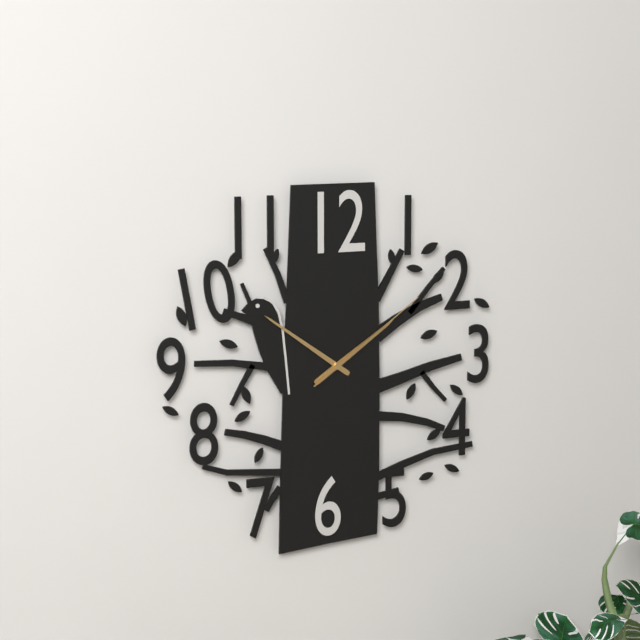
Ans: 1:51:09
